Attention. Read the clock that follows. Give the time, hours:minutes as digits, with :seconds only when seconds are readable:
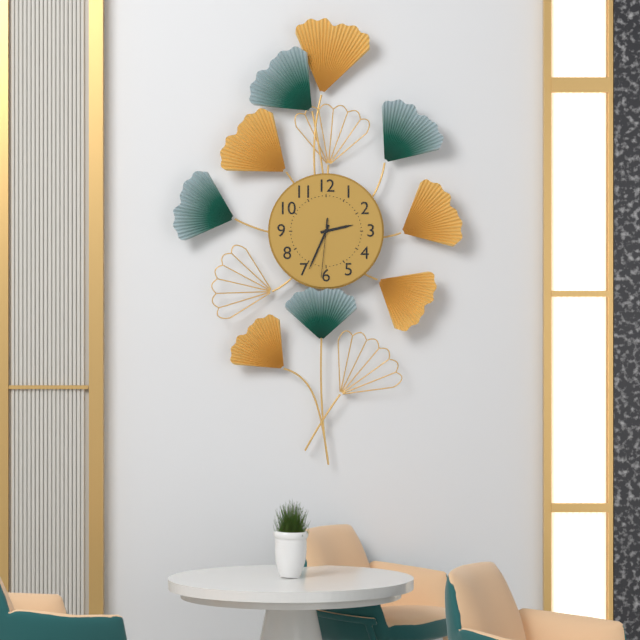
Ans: 2:34:31
